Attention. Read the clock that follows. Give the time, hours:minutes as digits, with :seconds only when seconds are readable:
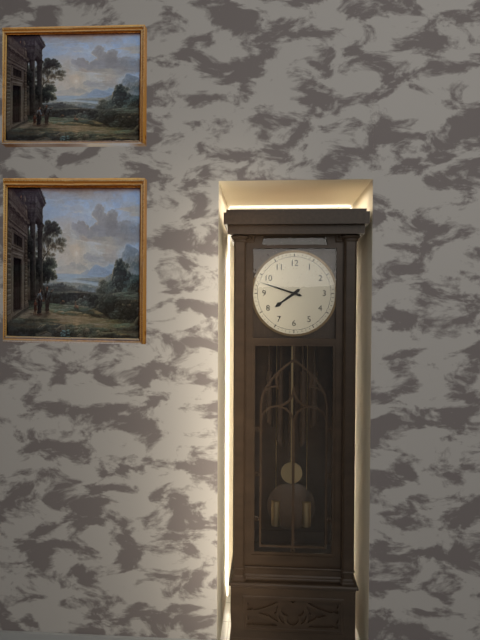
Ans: 7:48
